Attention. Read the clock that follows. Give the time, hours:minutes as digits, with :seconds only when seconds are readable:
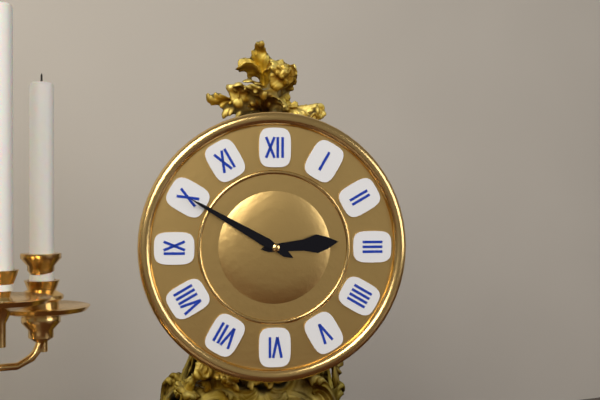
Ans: 2:50
